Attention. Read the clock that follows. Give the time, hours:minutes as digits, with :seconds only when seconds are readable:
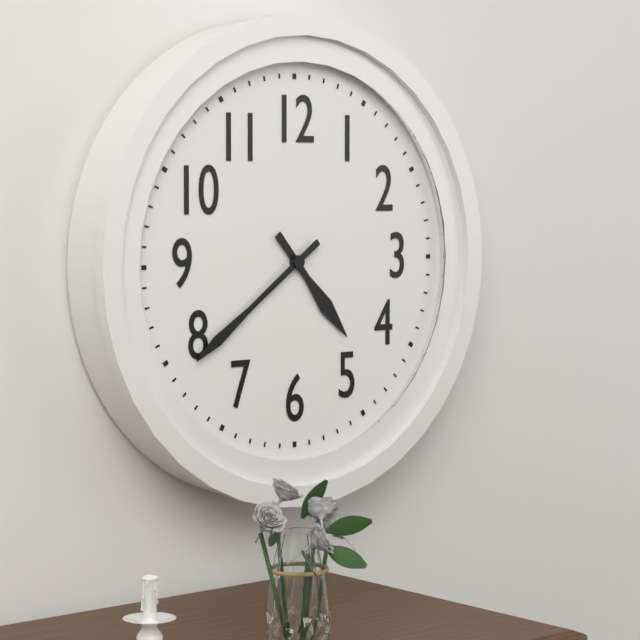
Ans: 4:39
